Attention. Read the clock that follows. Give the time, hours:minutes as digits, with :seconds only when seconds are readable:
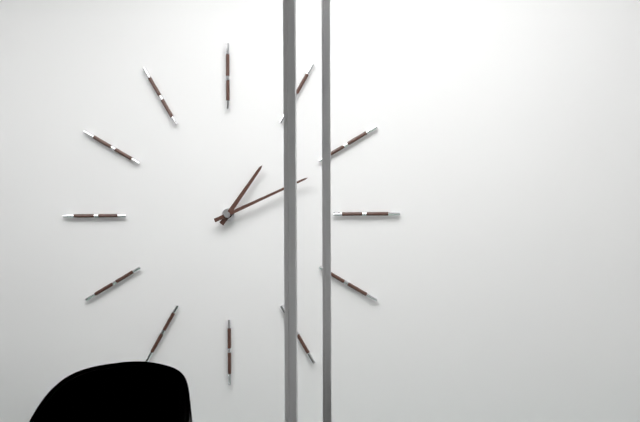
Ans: 1:11
